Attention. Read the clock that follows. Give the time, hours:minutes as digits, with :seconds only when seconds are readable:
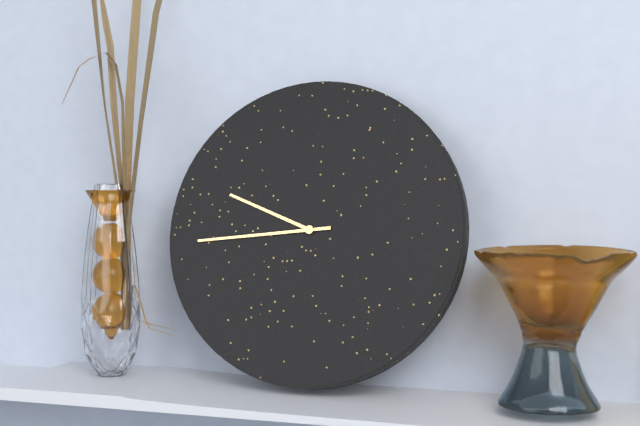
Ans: 9:44
